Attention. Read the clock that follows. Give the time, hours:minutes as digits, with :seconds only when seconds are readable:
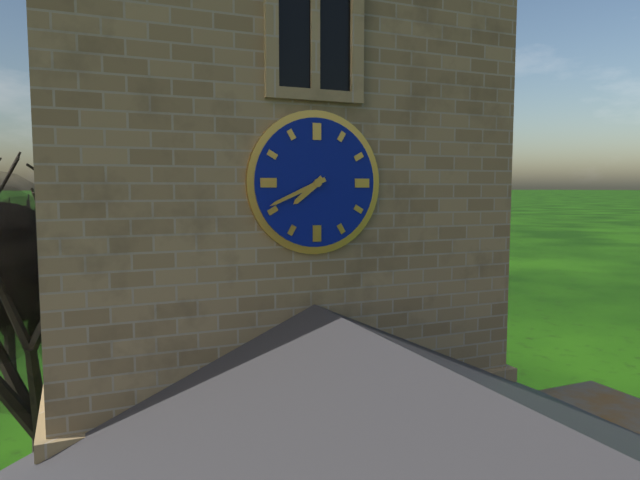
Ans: 7:41
